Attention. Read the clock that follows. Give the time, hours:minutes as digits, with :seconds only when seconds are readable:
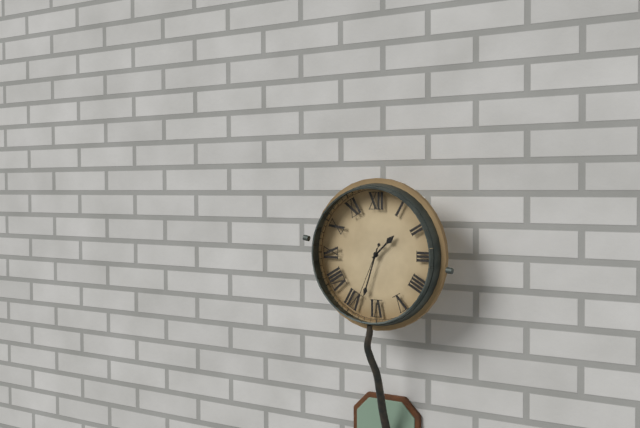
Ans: 1:33:34
